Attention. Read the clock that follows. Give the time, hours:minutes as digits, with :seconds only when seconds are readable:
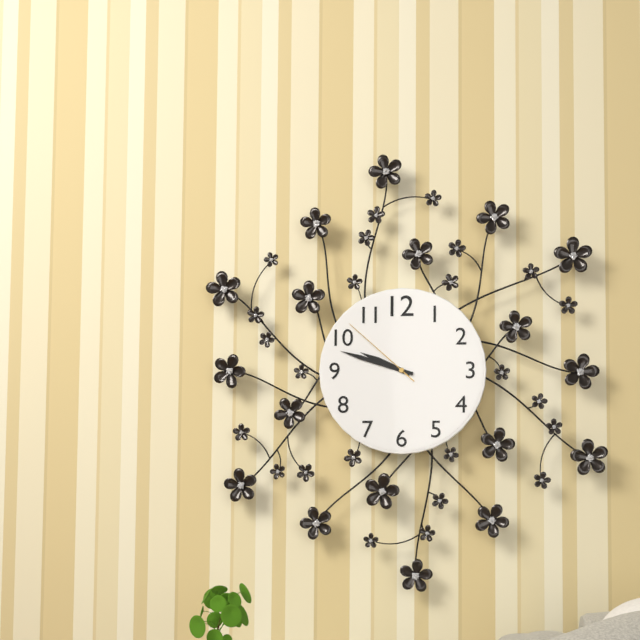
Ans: 9:48:52
